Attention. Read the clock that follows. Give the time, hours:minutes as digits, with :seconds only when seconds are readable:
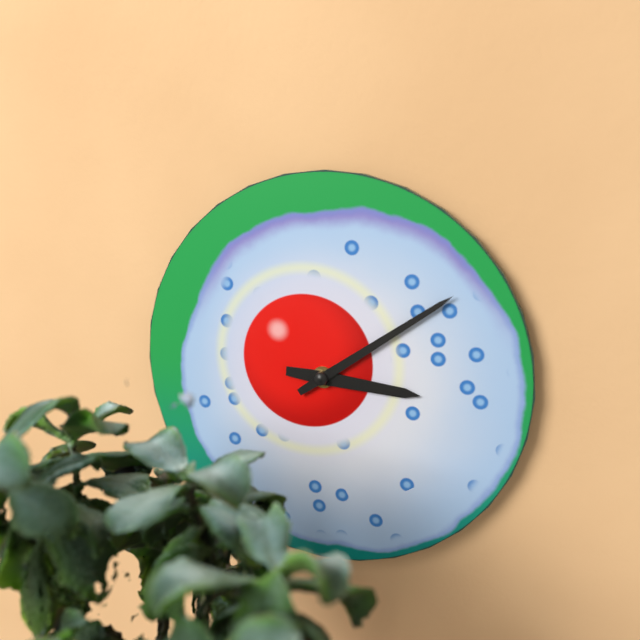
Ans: 3:09
